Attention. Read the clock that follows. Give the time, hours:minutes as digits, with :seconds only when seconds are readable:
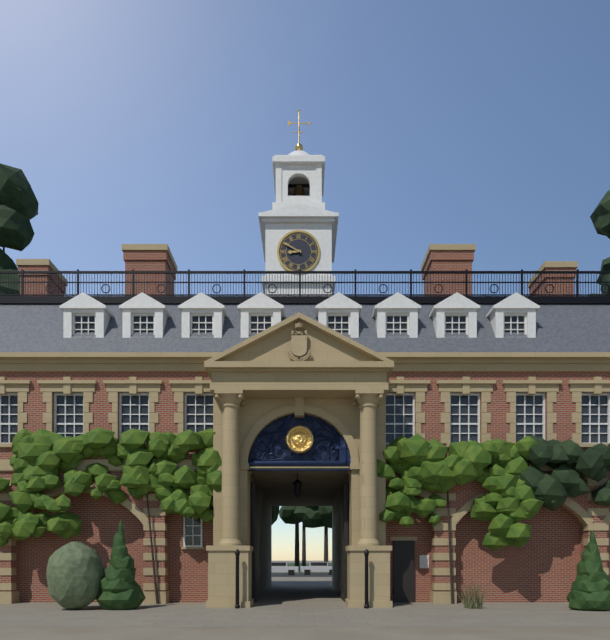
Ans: 8:50
